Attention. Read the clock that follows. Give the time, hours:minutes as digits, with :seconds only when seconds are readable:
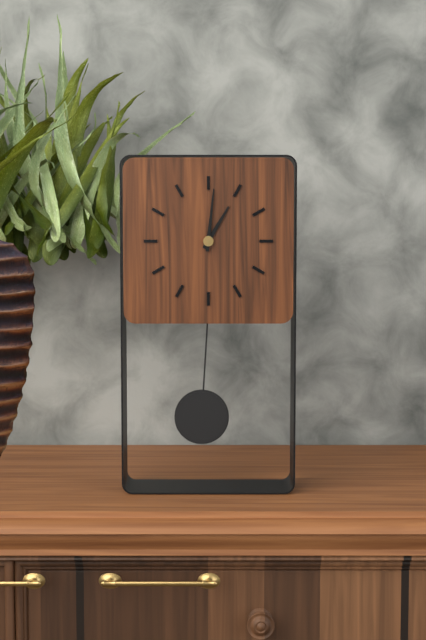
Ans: 1:01
